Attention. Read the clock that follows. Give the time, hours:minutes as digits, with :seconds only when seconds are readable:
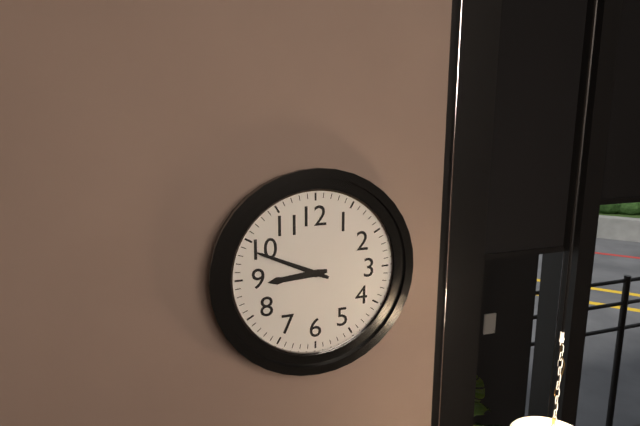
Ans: 8:49
